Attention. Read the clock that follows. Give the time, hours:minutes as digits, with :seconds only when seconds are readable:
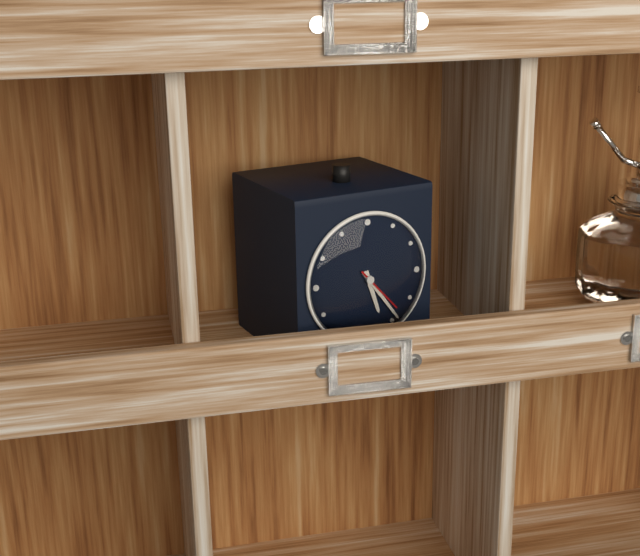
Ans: 5:24:23
